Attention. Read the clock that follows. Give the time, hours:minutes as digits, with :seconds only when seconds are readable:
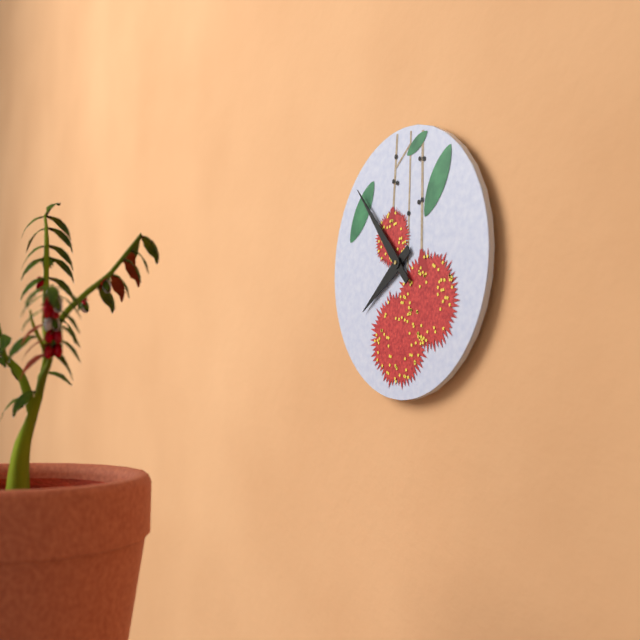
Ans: 7:53
